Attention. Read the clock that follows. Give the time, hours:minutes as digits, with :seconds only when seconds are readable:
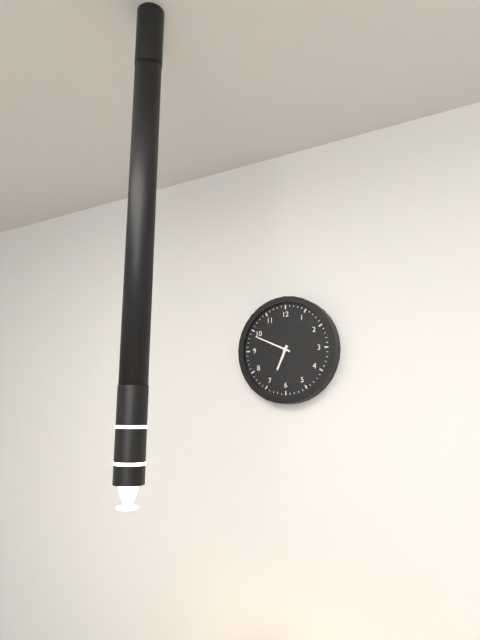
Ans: 6:49
